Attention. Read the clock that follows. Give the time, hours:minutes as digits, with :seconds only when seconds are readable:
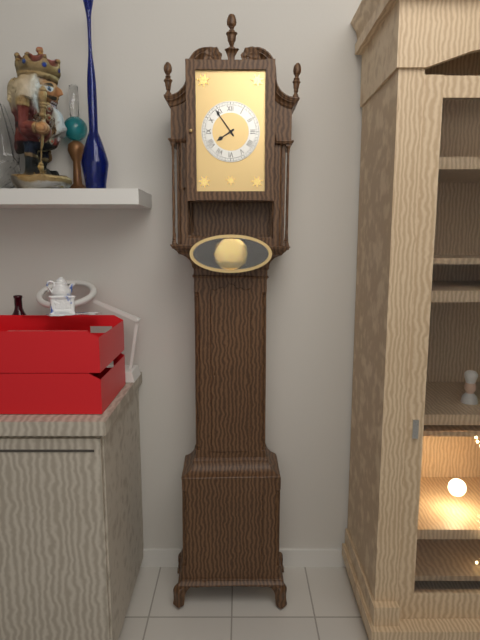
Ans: 7:54
